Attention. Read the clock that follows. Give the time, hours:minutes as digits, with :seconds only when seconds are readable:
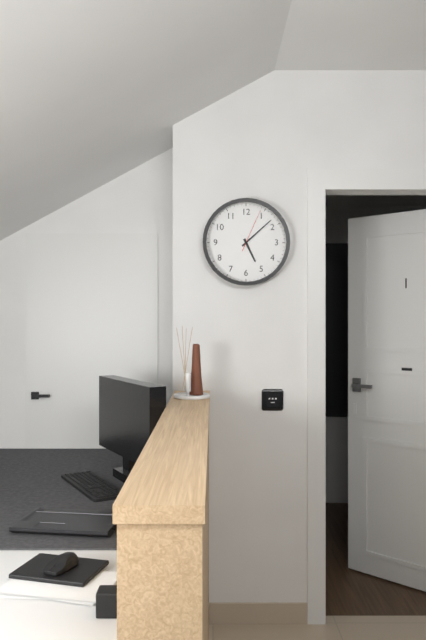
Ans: 5:08
